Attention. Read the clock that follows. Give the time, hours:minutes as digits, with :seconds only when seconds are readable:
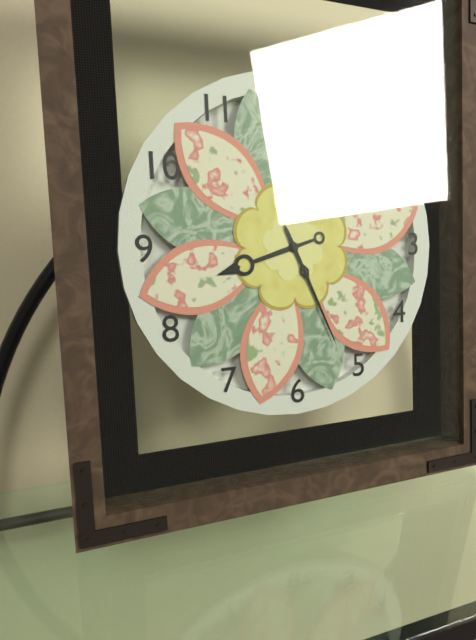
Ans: 8:26
